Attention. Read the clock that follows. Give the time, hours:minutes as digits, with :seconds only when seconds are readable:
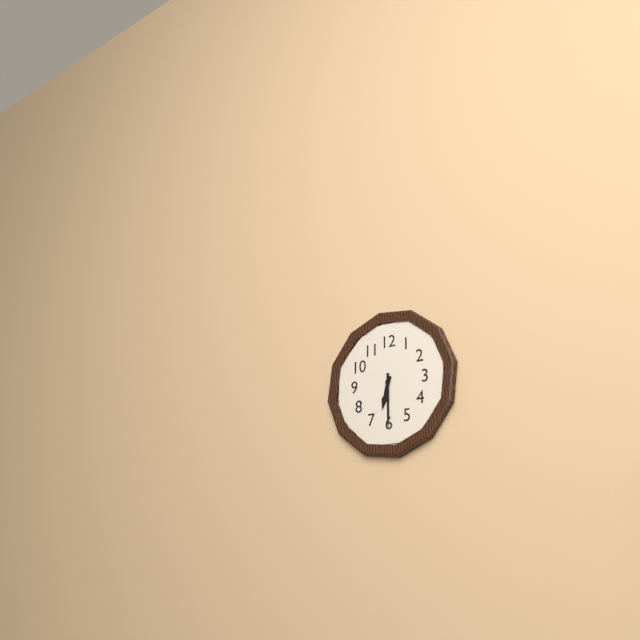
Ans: 6:30
